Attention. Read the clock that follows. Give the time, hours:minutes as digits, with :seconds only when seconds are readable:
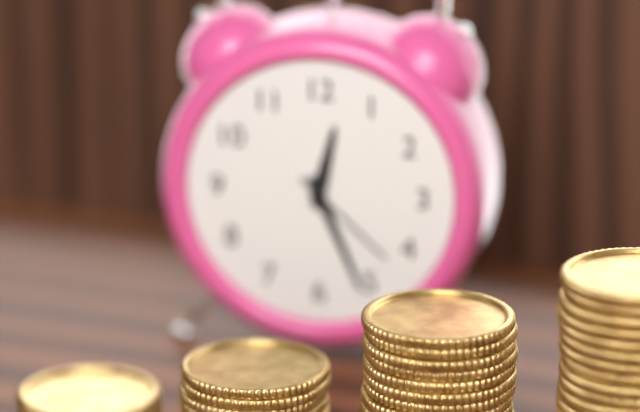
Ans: 12:26:22
